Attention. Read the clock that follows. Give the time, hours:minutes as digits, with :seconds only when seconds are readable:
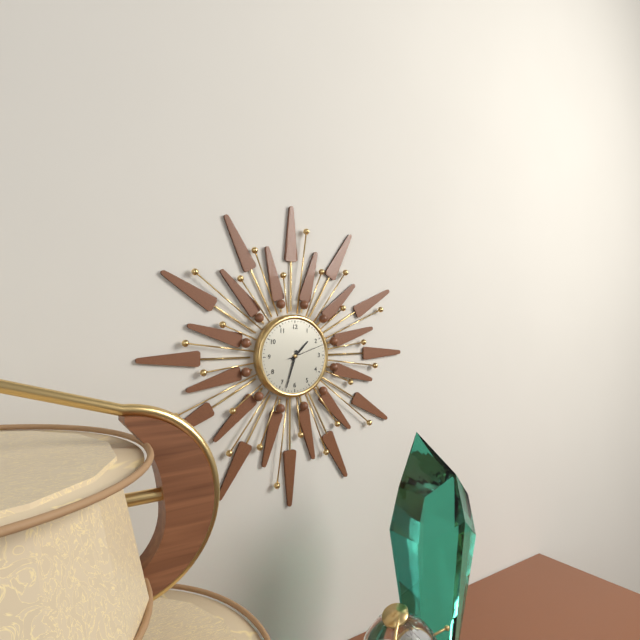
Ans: 1:33
